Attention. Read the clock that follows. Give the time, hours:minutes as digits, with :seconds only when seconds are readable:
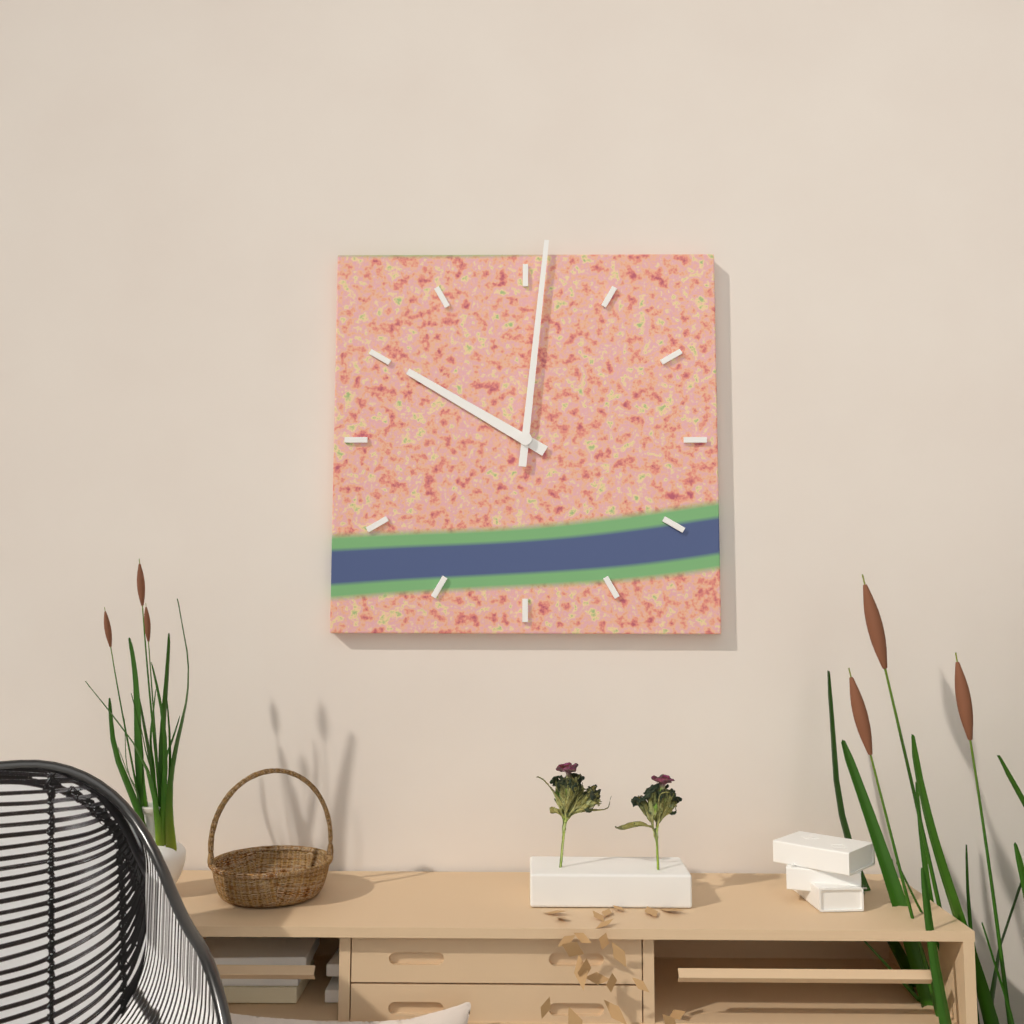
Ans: 10:01
